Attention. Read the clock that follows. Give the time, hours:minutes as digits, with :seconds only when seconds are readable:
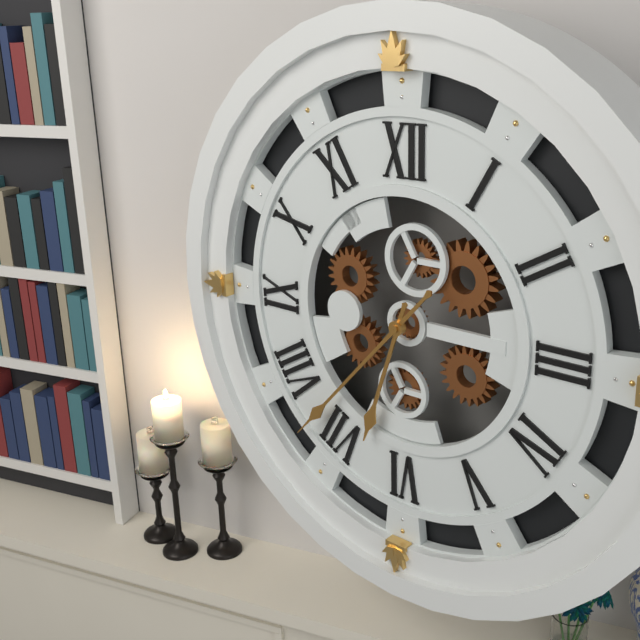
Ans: 6:37
